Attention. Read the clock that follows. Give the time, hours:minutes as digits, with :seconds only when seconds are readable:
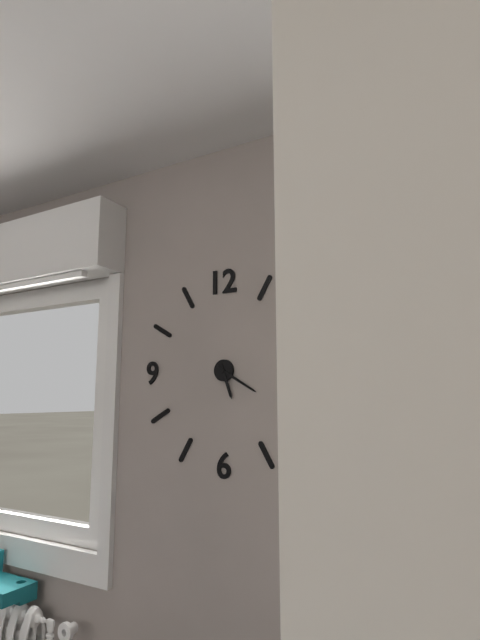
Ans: 5:20
